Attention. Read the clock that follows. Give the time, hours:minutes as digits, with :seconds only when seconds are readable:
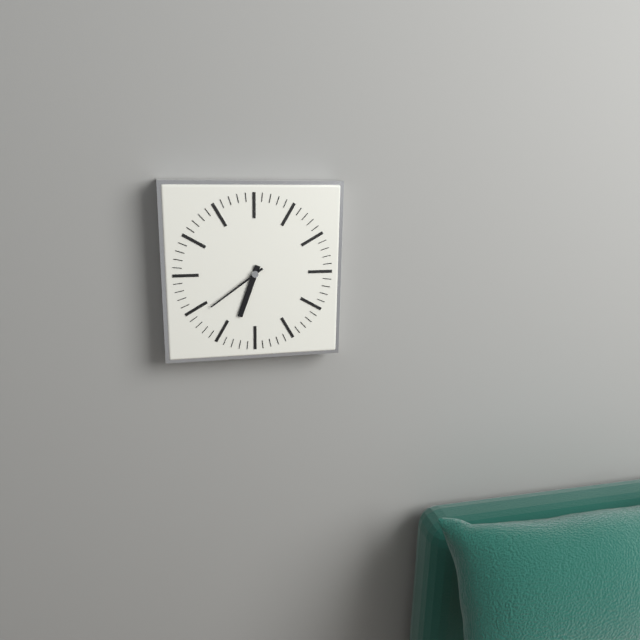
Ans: 6:39
